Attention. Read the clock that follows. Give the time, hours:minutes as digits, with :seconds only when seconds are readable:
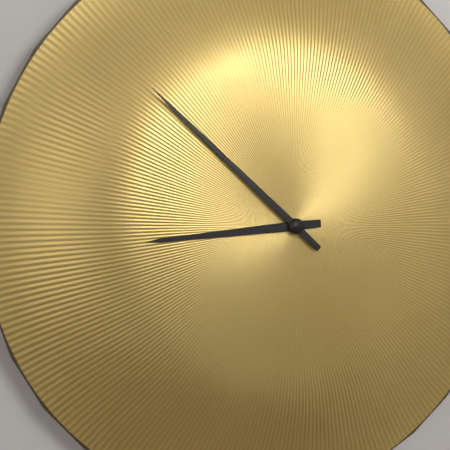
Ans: 8:52
